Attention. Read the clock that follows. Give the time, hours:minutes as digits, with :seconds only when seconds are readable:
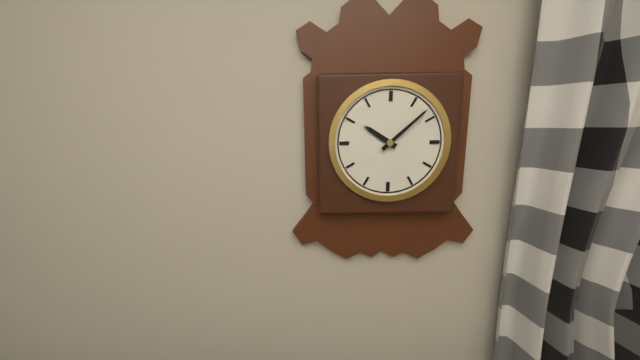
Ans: 10:08
